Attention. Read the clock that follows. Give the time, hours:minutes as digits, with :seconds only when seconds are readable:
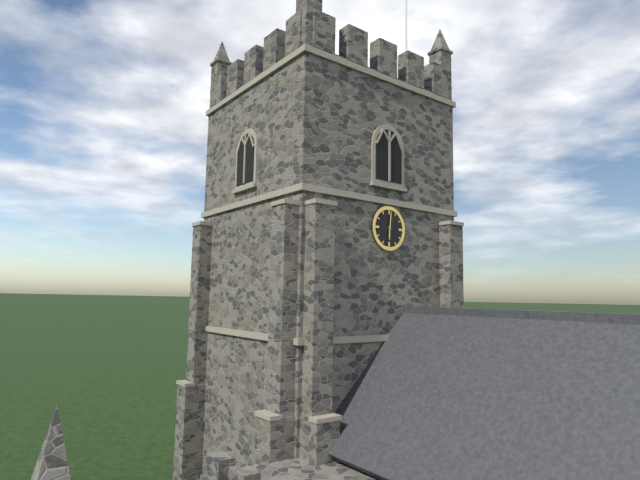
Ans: 6:01
